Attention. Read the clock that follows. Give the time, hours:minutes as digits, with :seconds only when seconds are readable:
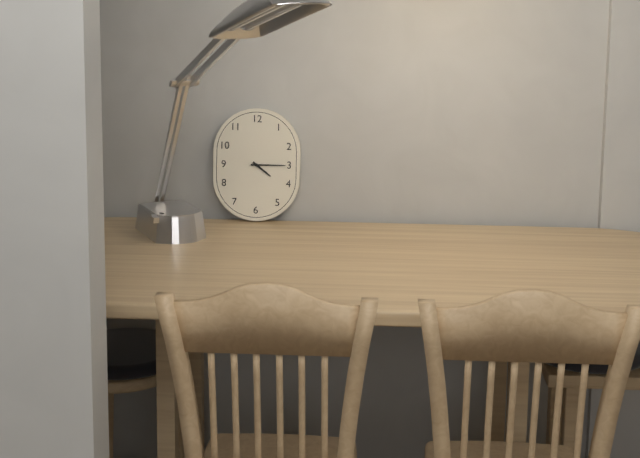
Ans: 4:15
